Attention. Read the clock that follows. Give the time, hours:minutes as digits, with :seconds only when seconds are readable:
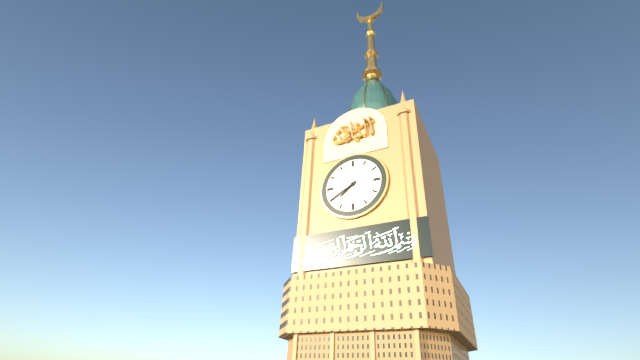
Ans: 7:40
